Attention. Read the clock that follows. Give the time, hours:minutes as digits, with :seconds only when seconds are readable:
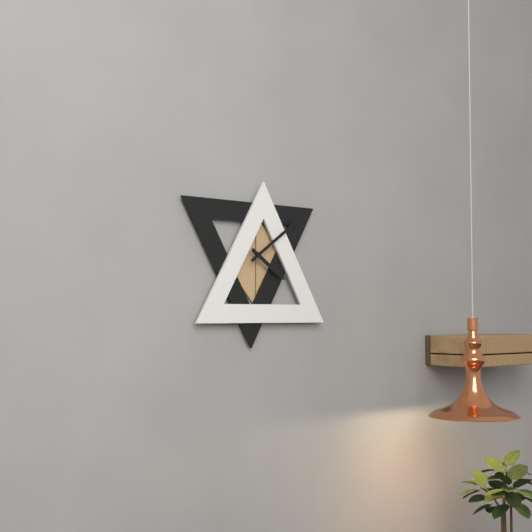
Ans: 4:09
